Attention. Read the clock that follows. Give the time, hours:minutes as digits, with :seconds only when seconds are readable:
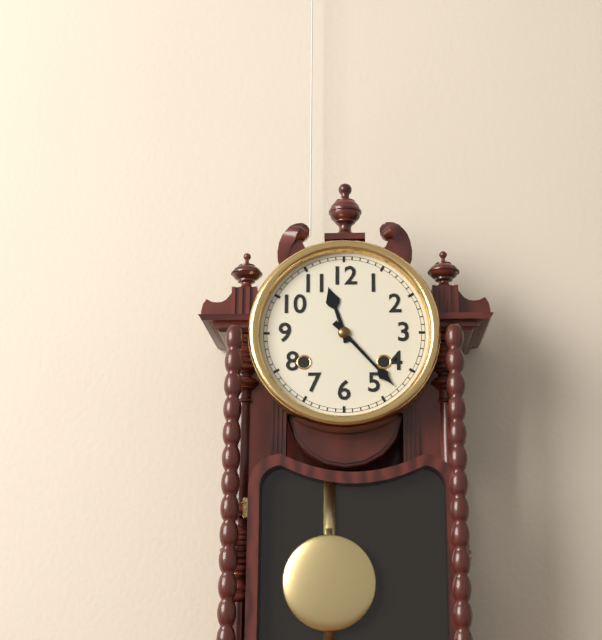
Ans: 11:23
